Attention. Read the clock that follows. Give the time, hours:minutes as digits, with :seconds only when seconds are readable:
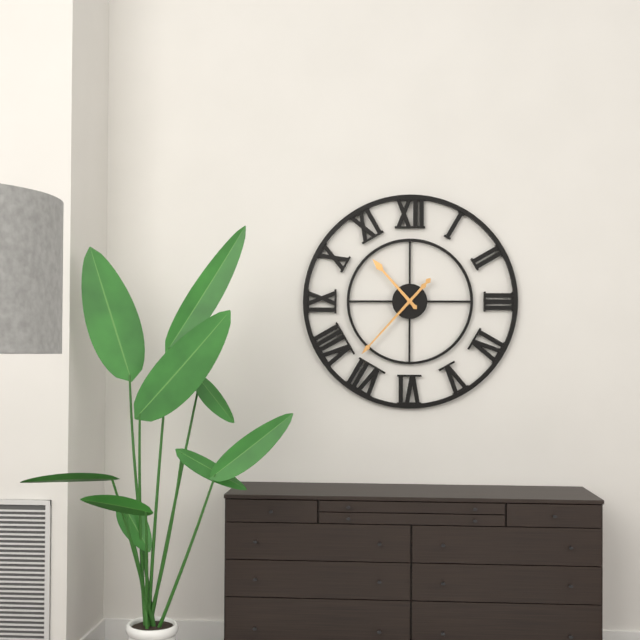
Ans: 10:37
